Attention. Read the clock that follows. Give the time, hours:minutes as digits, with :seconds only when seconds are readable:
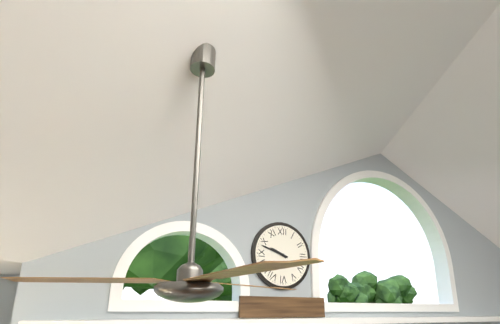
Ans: 9:48
